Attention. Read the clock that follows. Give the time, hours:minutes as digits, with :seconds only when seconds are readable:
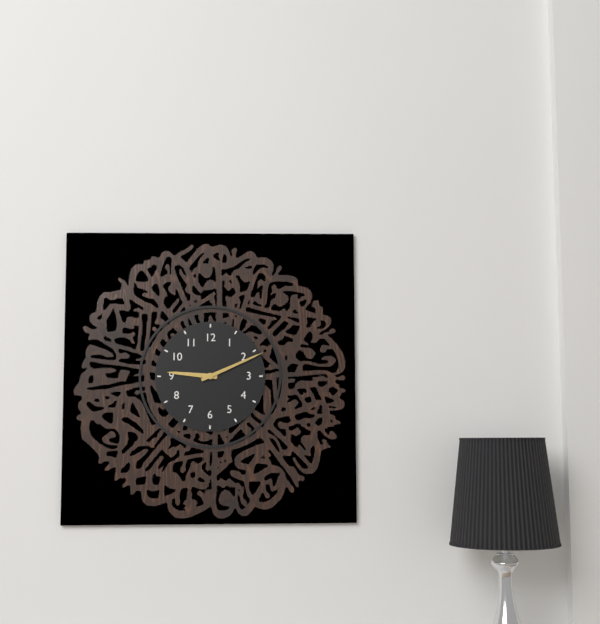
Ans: 9:11
